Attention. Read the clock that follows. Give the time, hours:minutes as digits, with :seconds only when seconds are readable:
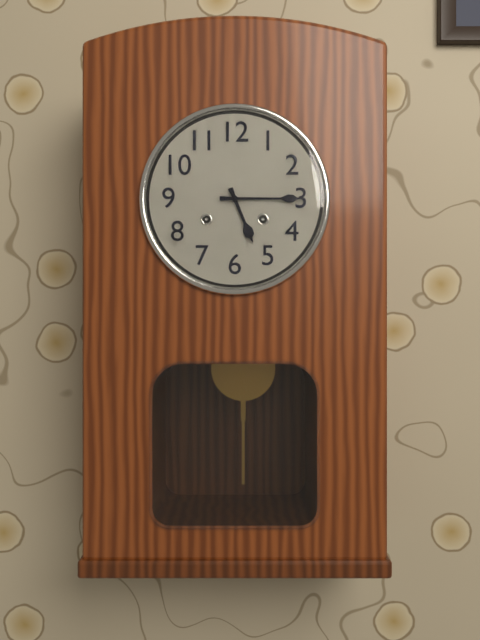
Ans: 5:15
